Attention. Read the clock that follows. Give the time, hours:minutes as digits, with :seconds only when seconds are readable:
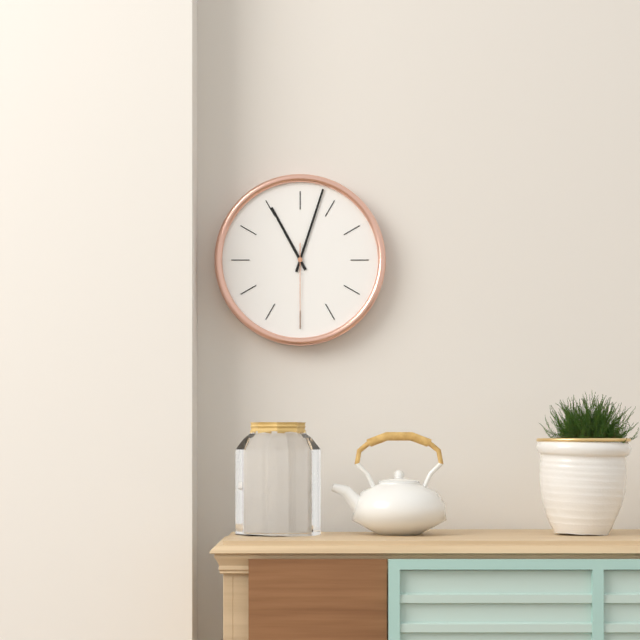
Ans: 11:03:30
